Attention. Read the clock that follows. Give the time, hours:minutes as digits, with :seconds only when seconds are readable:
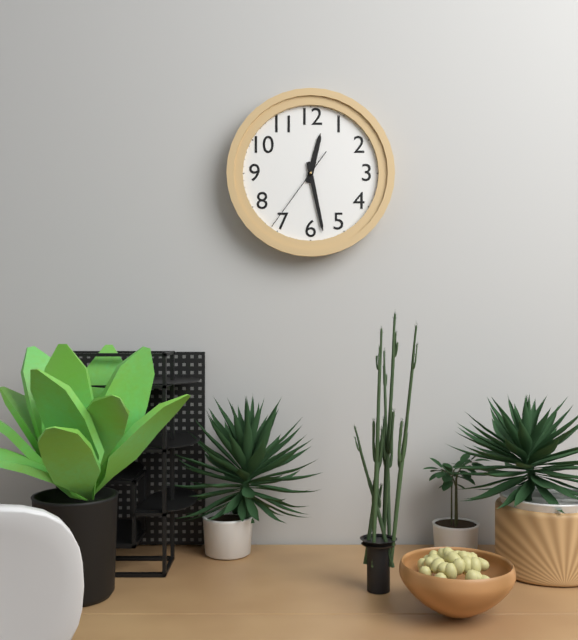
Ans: 12:28:36
